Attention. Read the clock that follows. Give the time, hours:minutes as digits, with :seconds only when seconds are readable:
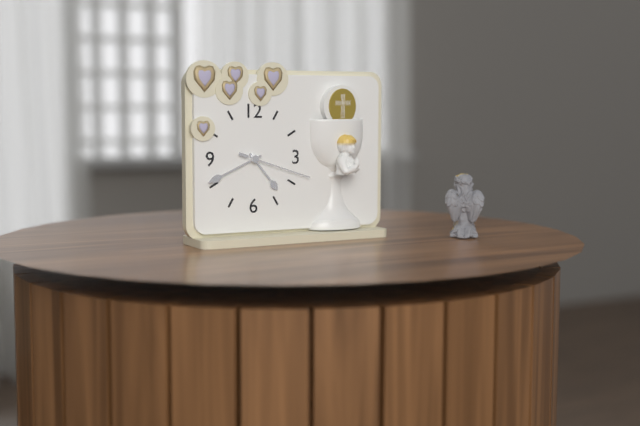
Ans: 4:41:18
